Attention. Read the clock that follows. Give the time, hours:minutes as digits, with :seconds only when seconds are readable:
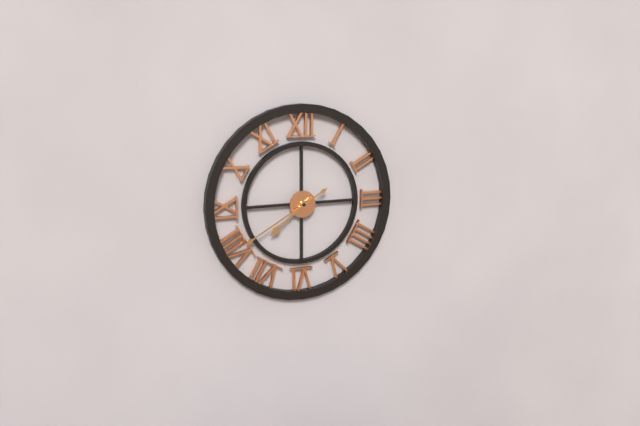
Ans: 7:40
